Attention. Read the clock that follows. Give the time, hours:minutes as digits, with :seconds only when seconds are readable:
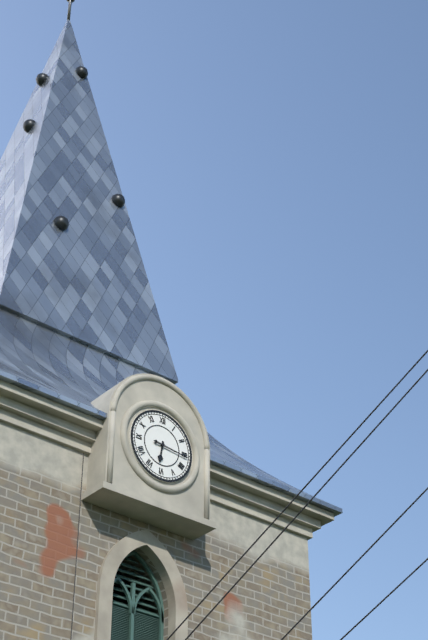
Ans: 6:16
